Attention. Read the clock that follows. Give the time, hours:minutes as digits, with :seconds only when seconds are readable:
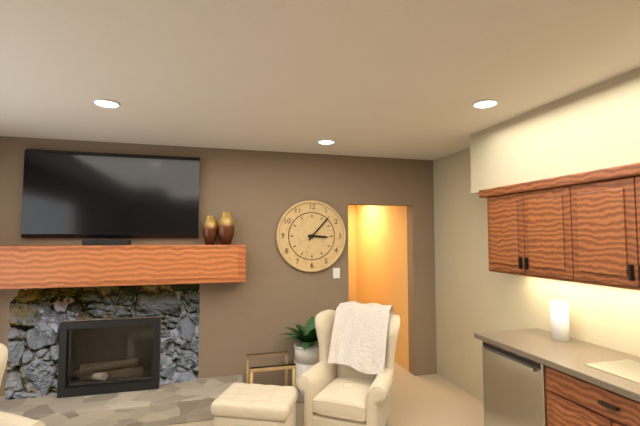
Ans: 3:07
